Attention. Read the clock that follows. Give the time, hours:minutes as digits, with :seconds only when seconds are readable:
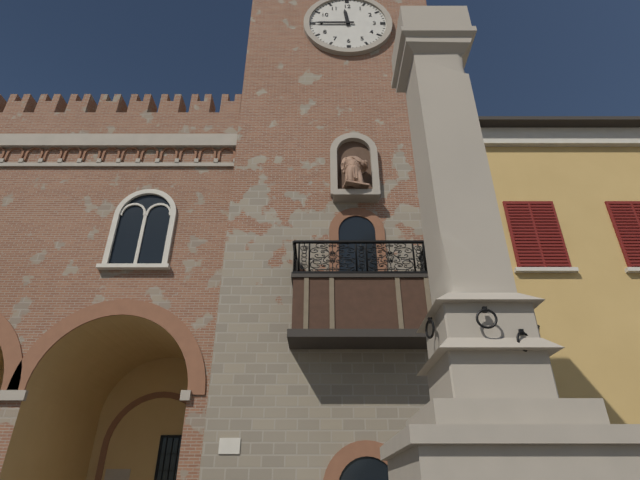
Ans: 11:45
